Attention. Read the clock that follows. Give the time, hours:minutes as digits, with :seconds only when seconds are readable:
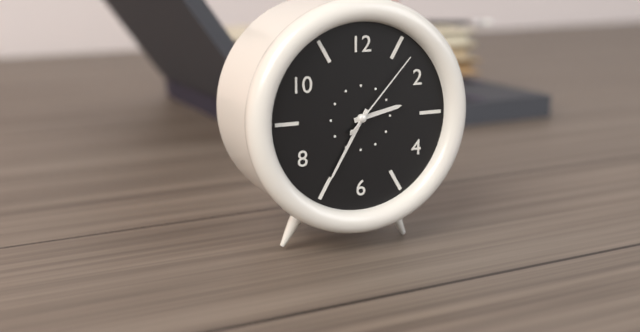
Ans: 2:35:07
